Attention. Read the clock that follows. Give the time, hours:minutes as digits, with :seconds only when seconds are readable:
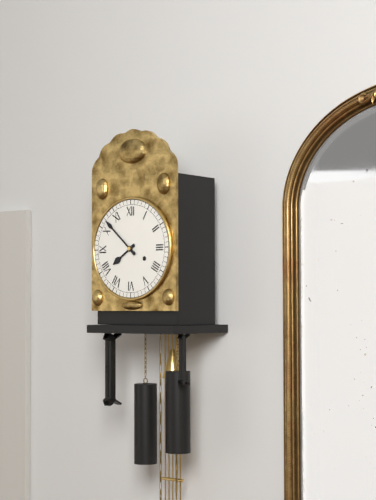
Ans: 7:52
